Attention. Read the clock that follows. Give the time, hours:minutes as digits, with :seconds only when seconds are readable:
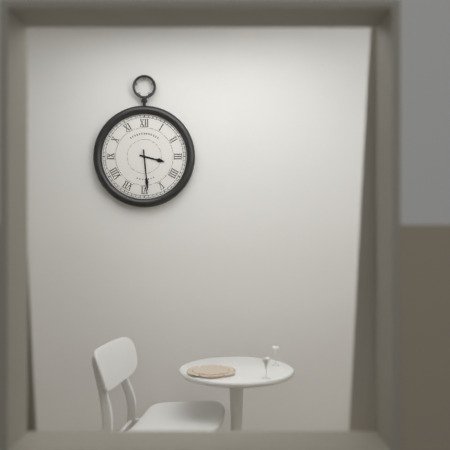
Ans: 3:29
